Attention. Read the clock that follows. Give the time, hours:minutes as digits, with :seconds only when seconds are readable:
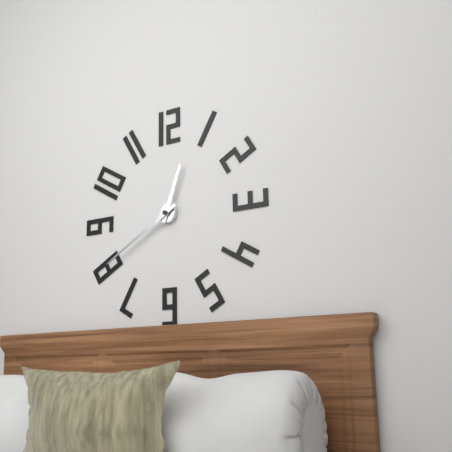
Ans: 12:40
